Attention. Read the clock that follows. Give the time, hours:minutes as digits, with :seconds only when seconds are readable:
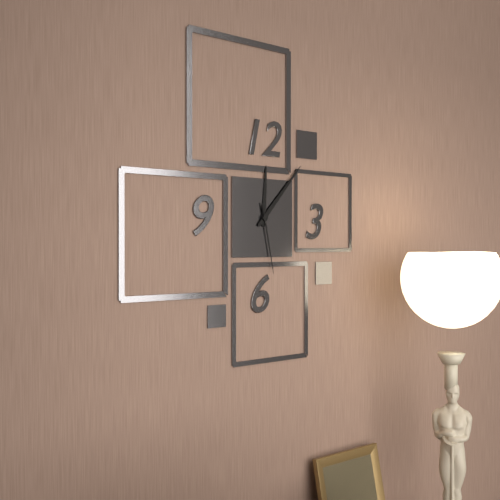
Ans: 12:07:28
